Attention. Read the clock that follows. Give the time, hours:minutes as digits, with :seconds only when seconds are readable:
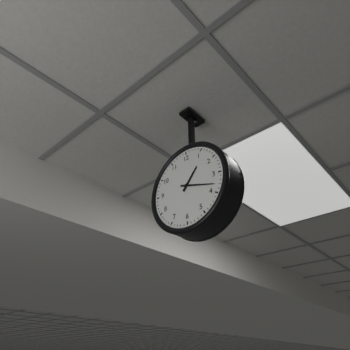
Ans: 1:18
